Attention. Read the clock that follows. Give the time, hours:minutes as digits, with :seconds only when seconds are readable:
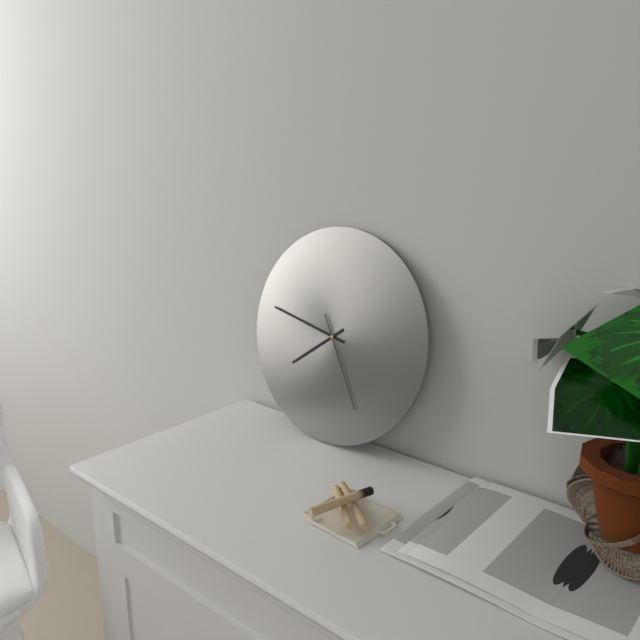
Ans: 7:47:25
